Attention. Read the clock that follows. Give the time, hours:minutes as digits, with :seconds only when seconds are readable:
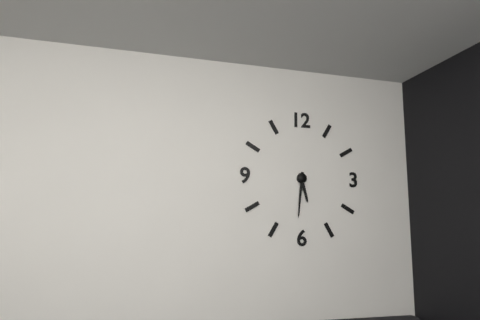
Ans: 5:31
